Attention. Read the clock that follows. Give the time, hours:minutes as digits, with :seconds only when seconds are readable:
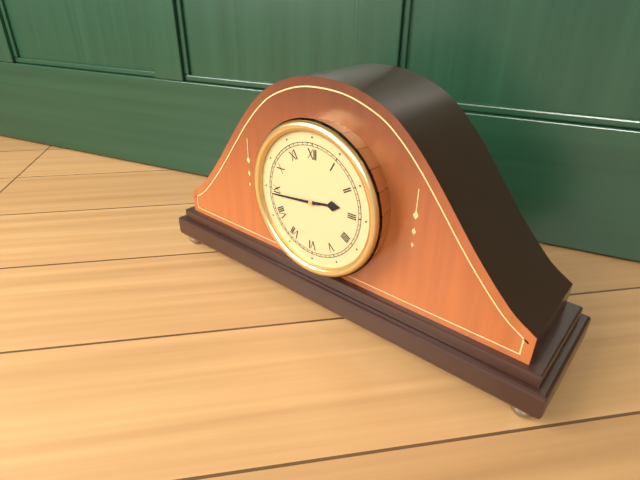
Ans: 2:44
